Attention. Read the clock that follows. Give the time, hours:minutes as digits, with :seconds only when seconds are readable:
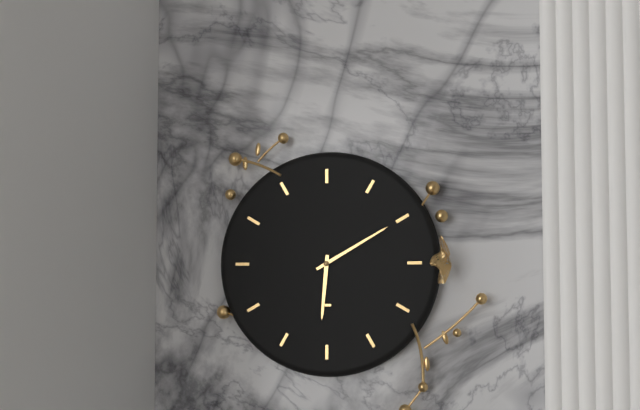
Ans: 6:10
